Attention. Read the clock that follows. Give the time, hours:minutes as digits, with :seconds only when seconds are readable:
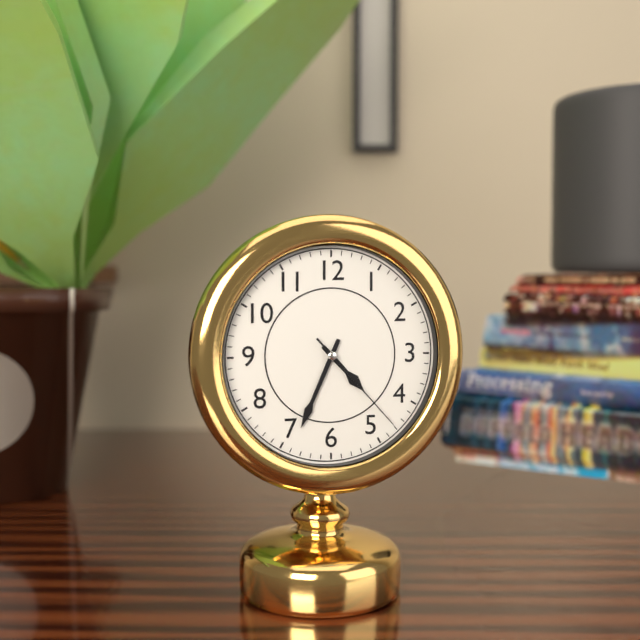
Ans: 4:34:23
